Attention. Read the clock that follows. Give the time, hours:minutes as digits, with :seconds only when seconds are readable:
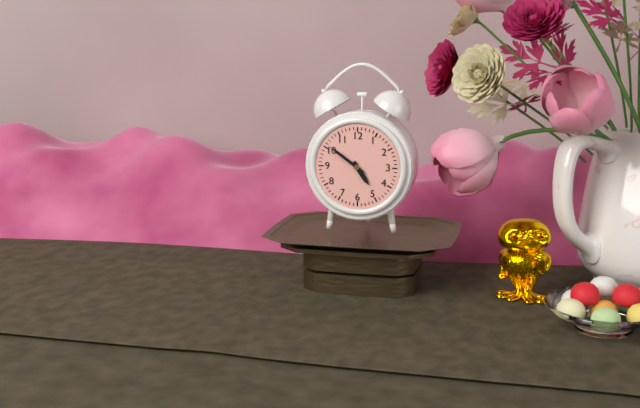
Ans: 4:51
